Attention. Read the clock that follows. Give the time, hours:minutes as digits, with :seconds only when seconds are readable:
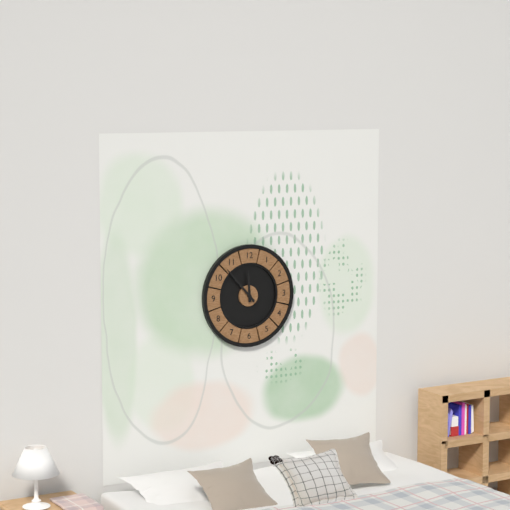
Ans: 11:53
